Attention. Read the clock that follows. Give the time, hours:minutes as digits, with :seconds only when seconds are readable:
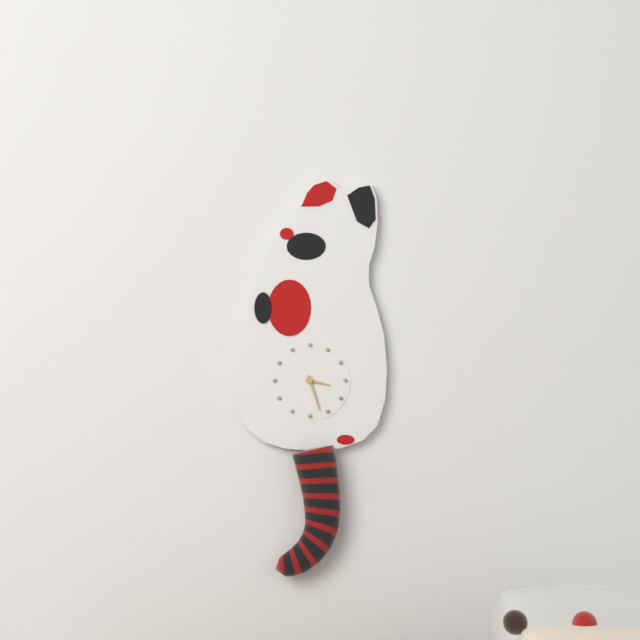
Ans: 3:27
